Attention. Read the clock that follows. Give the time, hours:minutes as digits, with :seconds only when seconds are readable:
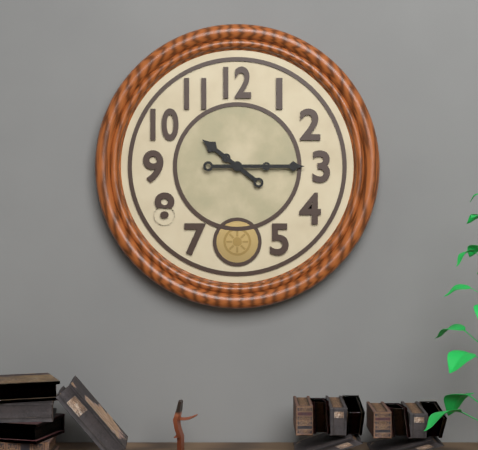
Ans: 10:15
